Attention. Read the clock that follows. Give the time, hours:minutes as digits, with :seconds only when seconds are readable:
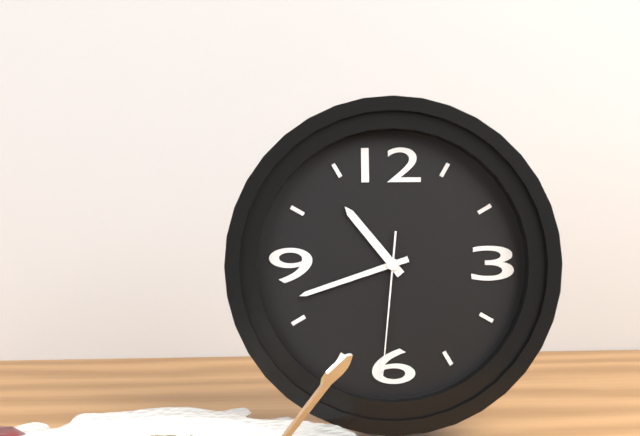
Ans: 10:42:31
